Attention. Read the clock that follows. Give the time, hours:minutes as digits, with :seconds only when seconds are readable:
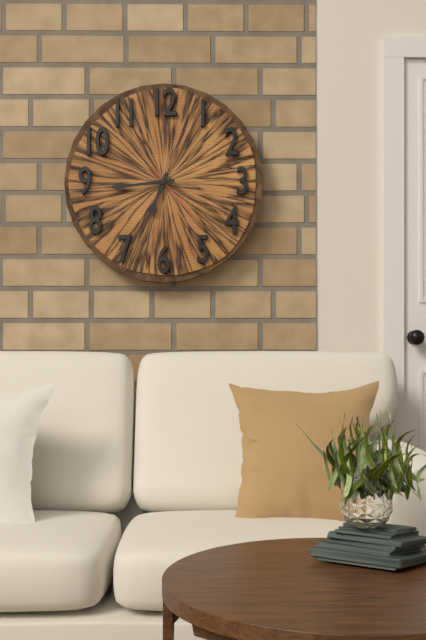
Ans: 6:44:23
